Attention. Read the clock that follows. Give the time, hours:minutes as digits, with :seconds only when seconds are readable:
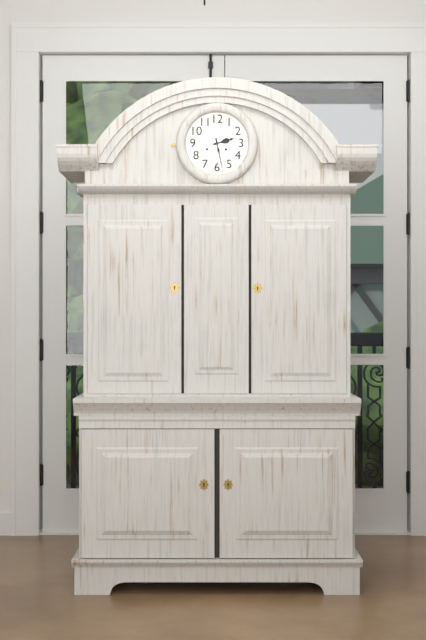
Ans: 2:28
